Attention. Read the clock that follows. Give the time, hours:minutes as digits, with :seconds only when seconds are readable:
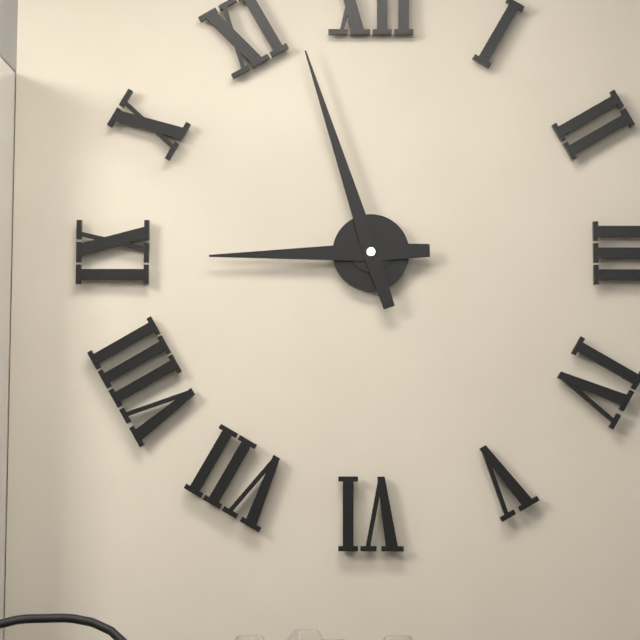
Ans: 8:57
